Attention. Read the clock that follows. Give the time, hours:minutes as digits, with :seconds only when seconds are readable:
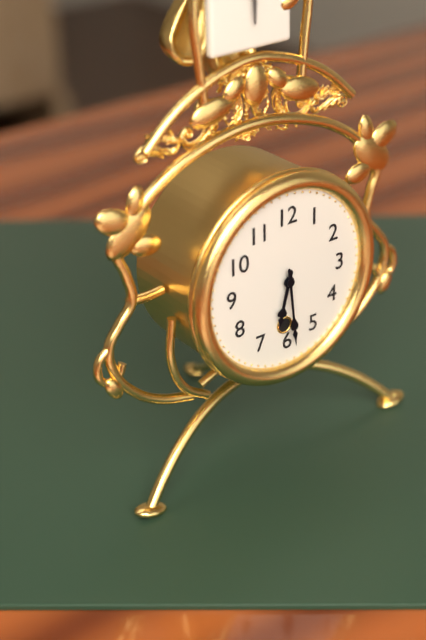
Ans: 6:29
